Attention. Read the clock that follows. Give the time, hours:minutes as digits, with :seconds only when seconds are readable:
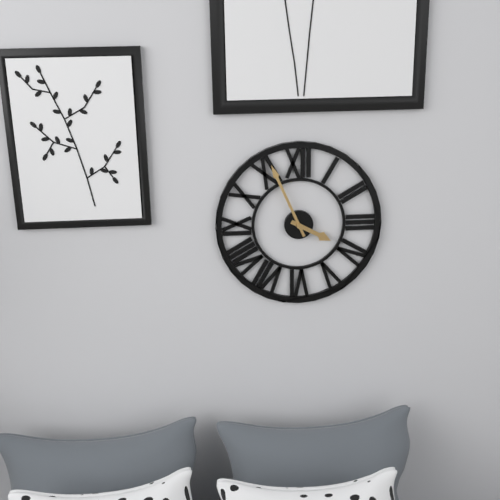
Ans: 3:56
